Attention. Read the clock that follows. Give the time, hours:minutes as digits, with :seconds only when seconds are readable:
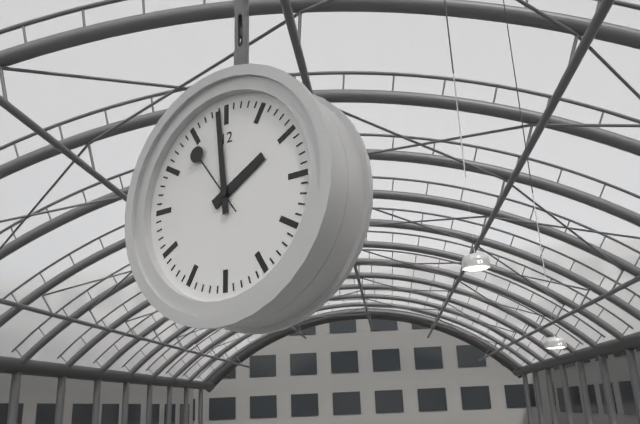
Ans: 1:59:54
